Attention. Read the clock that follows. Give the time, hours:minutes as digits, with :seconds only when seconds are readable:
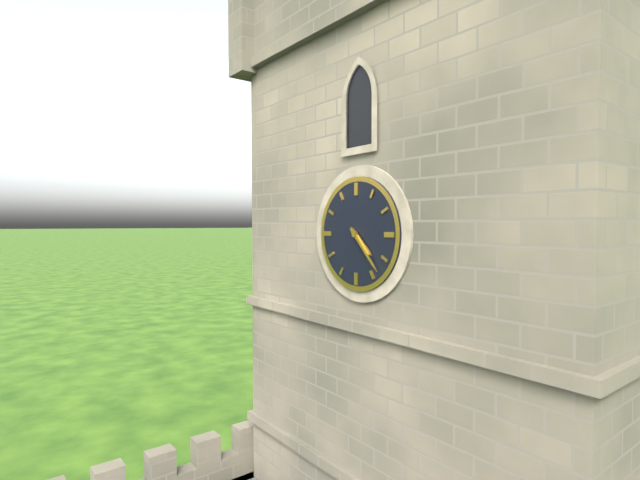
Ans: 4:23
